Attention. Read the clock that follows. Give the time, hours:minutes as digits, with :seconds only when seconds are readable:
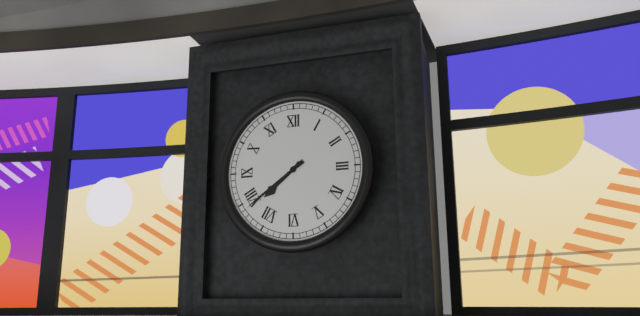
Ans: 7:39
